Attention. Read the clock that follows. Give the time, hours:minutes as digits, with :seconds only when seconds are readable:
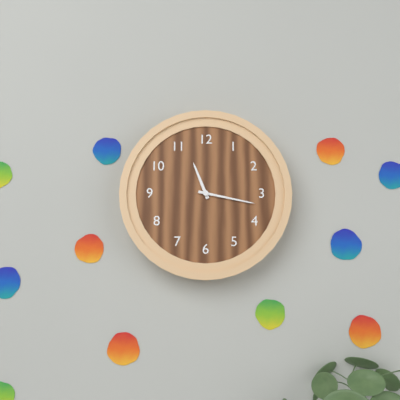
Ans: 11:17
